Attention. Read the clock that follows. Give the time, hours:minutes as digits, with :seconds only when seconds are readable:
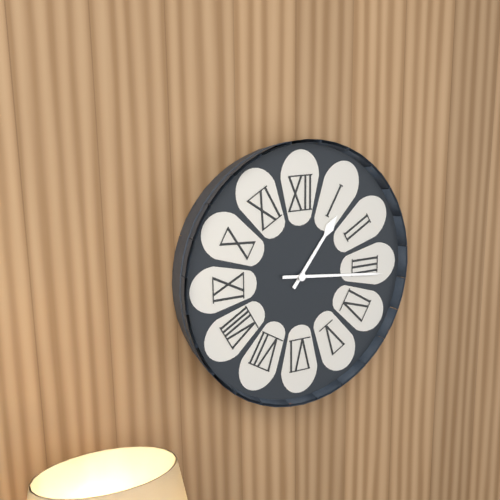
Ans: 1:16
